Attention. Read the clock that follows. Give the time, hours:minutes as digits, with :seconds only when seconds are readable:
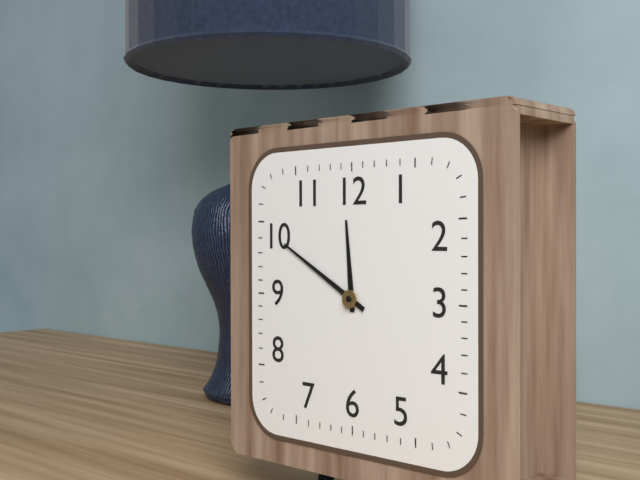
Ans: 11:50
